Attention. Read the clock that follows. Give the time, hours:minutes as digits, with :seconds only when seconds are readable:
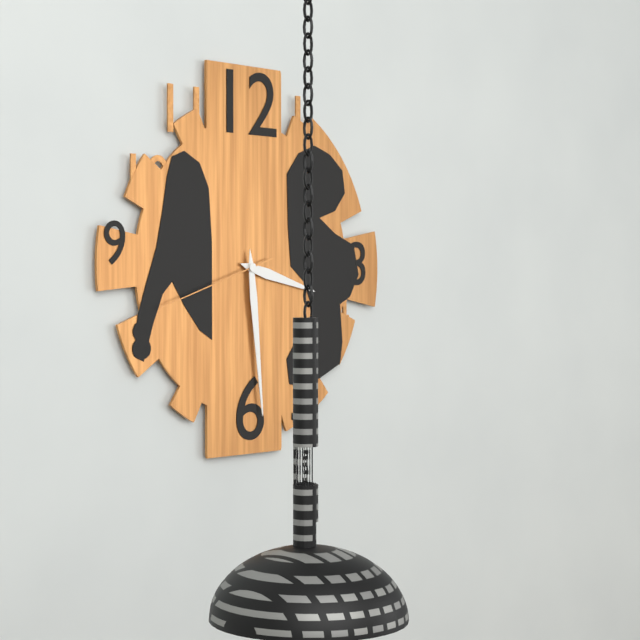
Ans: 3:29:42
